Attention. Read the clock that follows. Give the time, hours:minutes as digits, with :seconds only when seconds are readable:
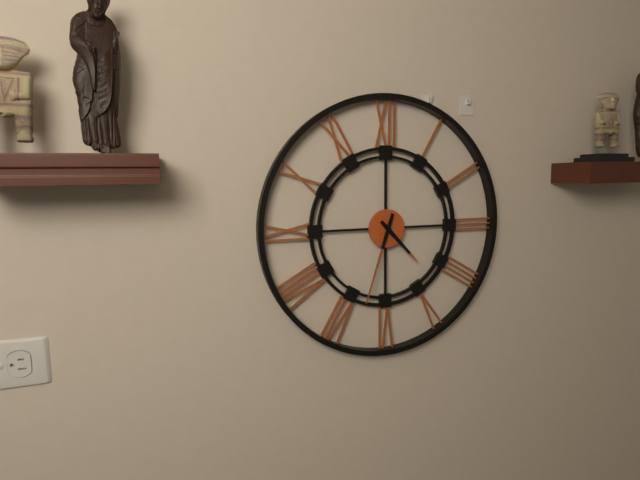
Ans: 4:33
